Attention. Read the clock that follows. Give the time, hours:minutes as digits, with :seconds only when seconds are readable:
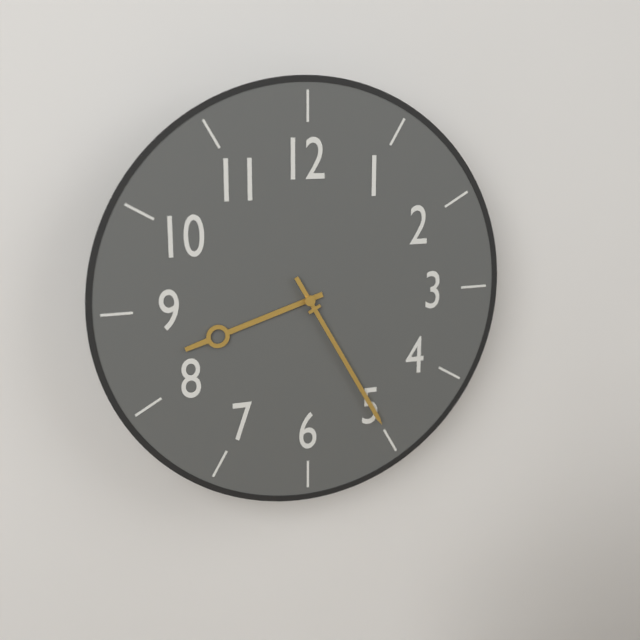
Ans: 8:25
